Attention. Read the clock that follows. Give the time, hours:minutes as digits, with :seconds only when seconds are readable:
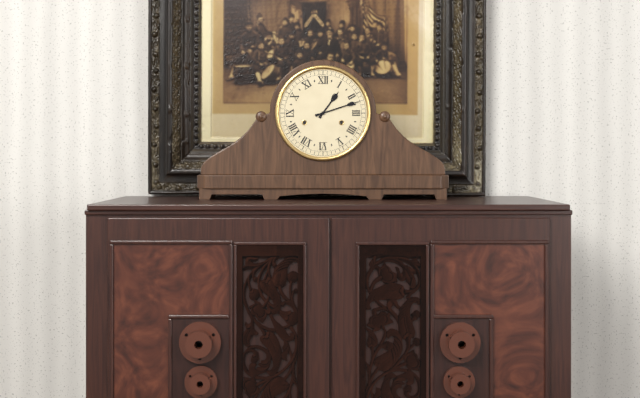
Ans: 1:12
